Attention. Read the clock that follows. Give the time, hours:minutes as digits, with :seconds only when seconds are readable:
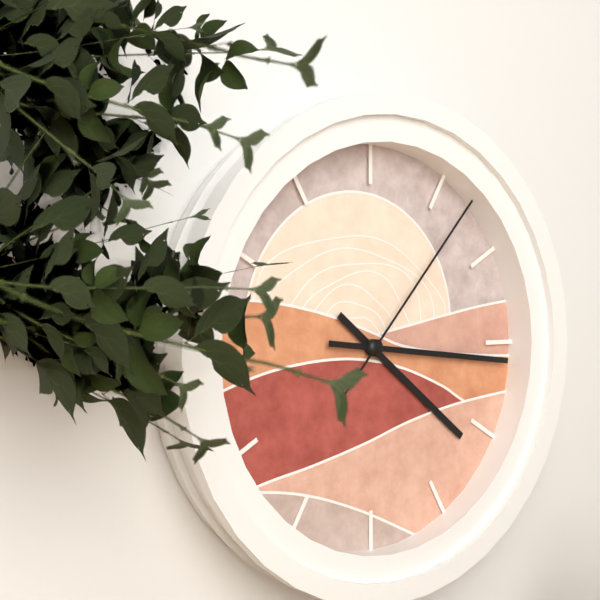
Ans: 4:16:07
